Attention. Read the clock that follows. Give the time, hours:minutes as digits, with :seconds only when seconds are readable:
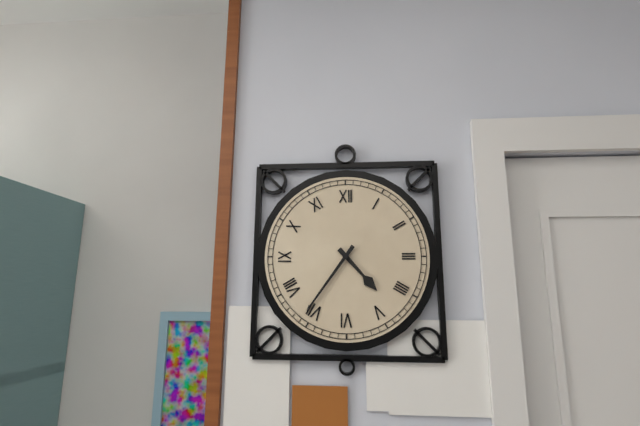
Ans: 4:36
